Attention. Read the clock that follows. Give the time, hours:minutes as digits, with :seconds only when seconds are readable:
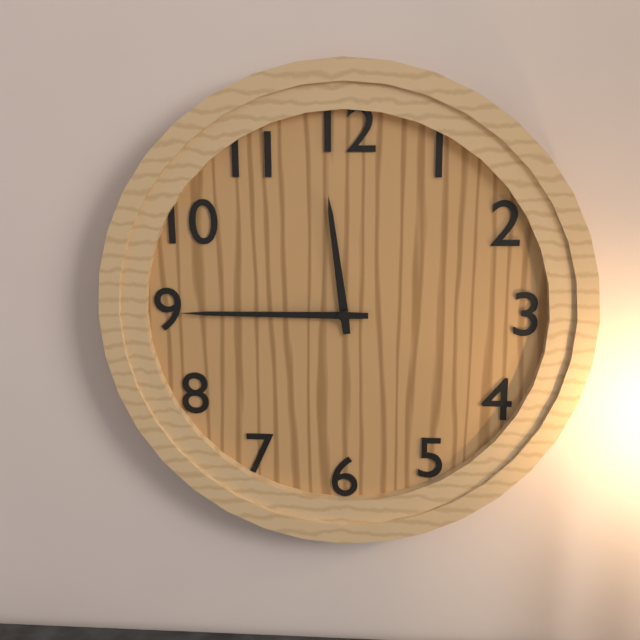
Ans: 11:45
